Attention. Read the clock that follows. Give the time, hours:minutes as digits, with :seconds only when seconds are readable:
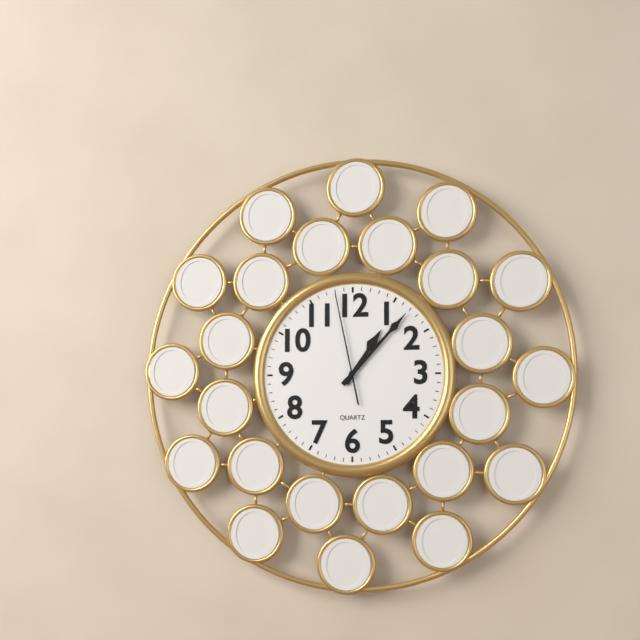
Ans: 1:07:58
